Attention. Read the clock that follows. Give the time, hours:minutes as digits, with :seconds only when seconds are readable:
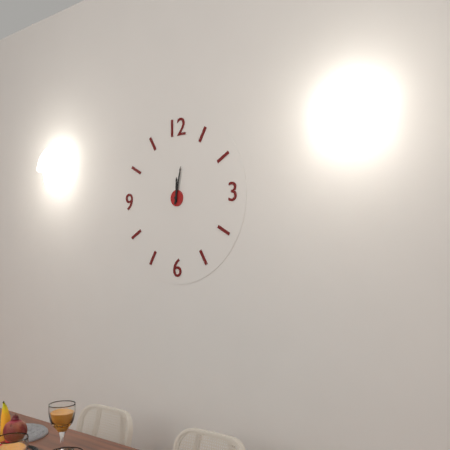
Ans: 12:02
